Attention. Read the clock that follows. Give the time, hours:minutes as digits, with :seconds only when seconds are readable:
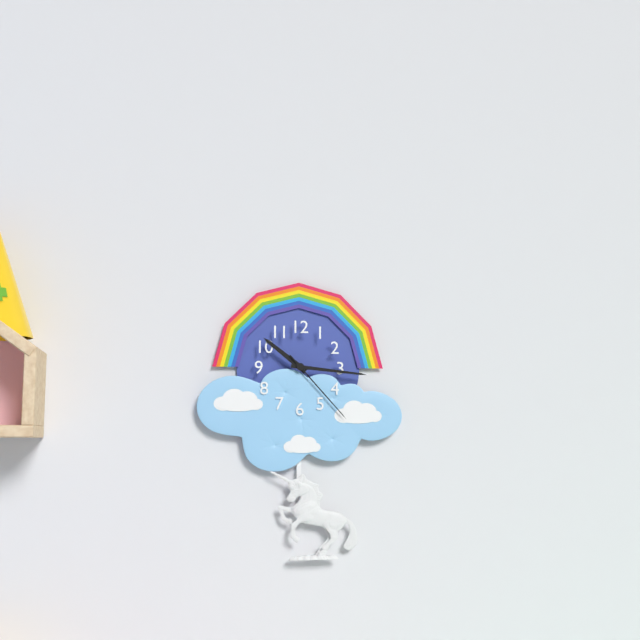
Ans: 10:16:23
